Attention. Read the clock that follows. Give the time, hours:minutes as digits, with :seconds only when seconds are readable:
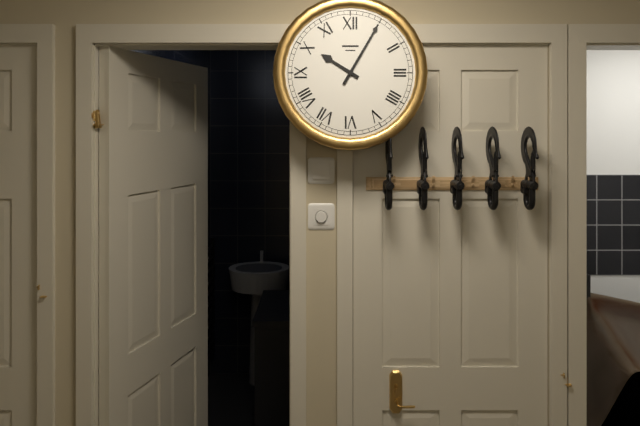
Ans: 10:05
